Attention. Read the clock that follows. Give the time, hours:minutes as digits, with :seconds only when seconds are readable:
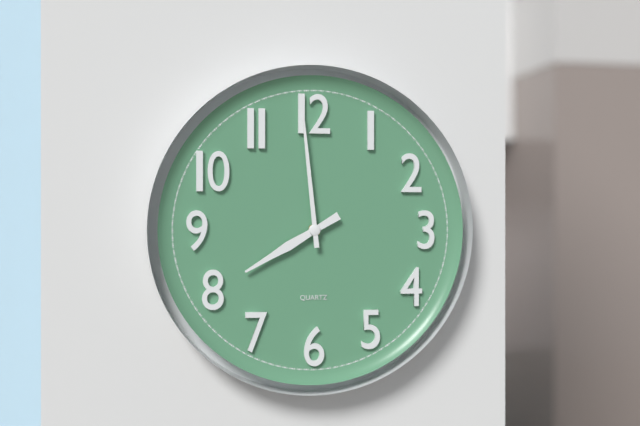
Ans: 7:59
